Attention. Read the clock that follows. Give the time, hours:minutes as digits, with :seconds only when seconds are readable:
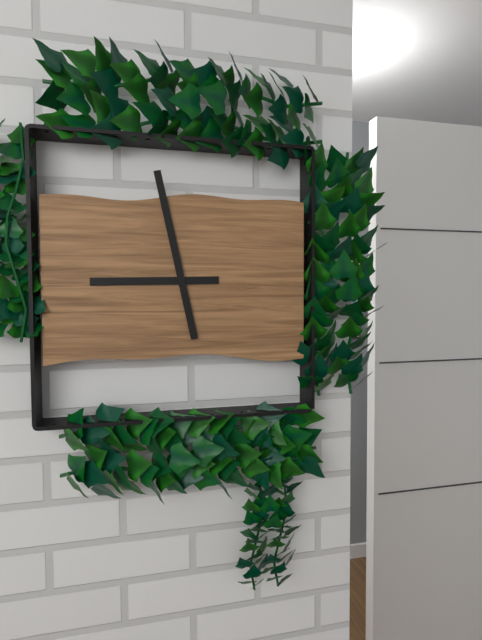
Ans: 8:58
